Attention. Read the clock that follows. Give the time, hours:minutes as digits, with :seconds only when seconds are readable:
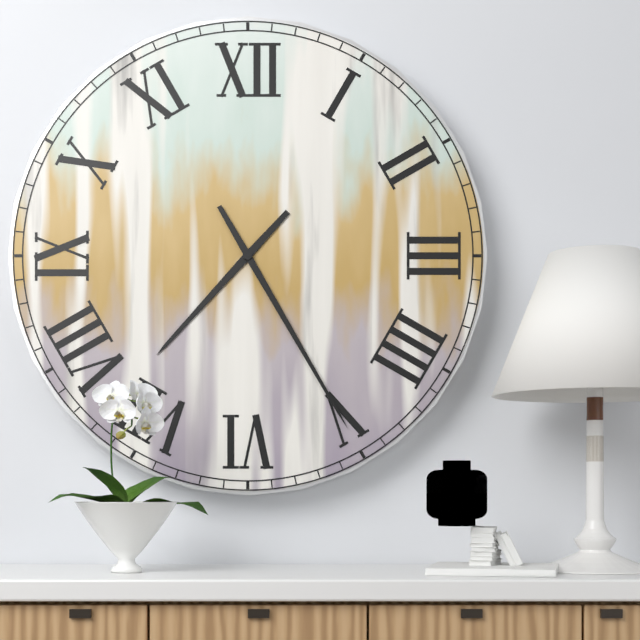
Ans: 7:25
